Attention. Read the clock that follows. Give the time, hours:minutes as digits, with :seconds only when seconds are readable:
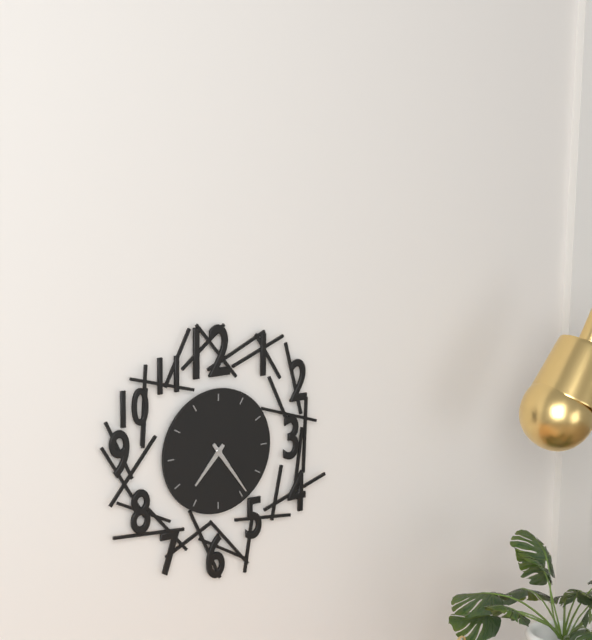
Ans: 7:24
